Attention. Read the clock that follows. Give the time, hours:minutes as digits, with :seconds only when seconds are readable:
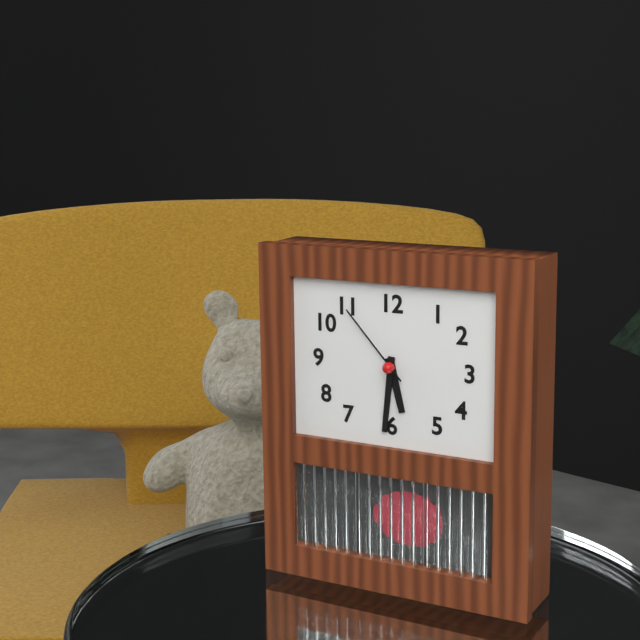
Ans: 5:31:53
